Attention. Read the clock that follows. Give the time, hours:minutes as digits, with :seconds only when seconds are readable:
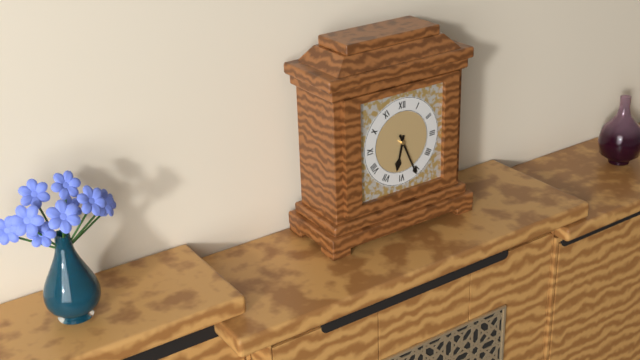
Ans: 6:26
